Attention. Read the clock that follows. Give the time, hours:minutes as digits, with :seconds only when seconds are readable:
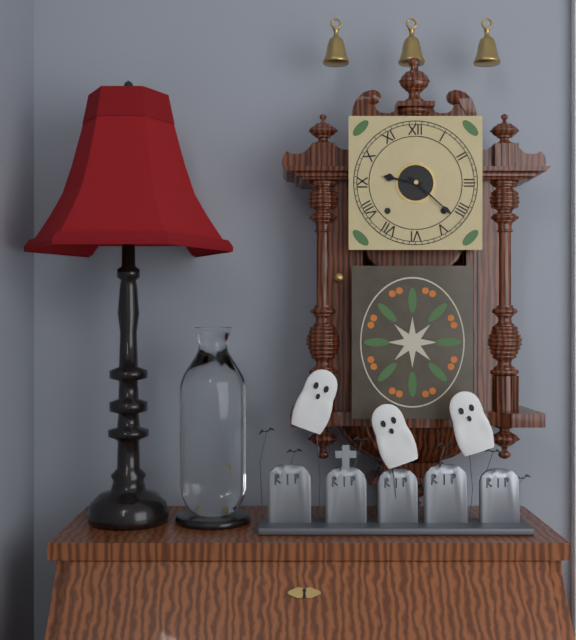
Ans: 9:22
